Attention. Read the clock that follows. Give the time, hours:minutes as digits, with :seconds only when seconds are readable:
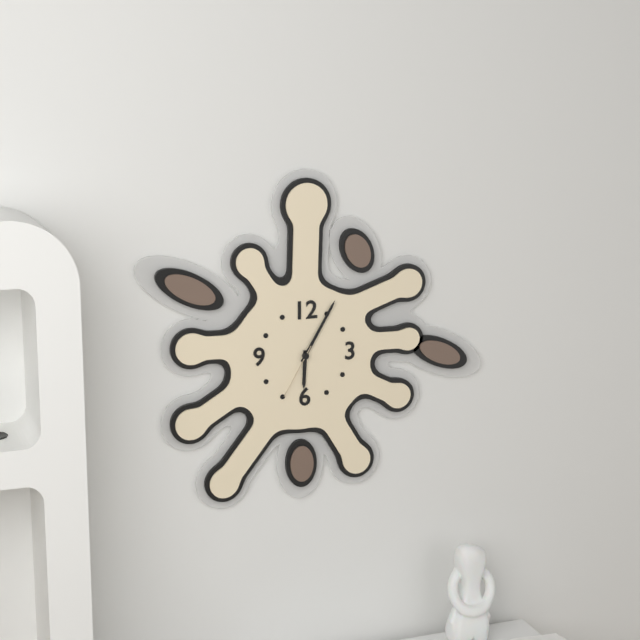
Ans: 6:05:35
